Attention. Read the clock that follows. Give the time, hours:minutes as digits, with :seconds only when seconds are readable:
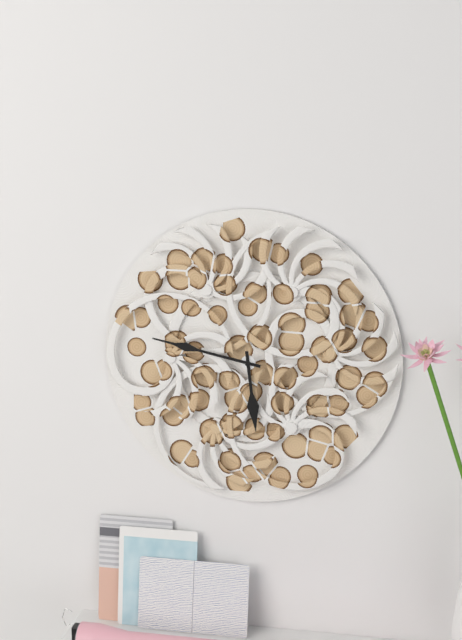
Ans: 5:47
